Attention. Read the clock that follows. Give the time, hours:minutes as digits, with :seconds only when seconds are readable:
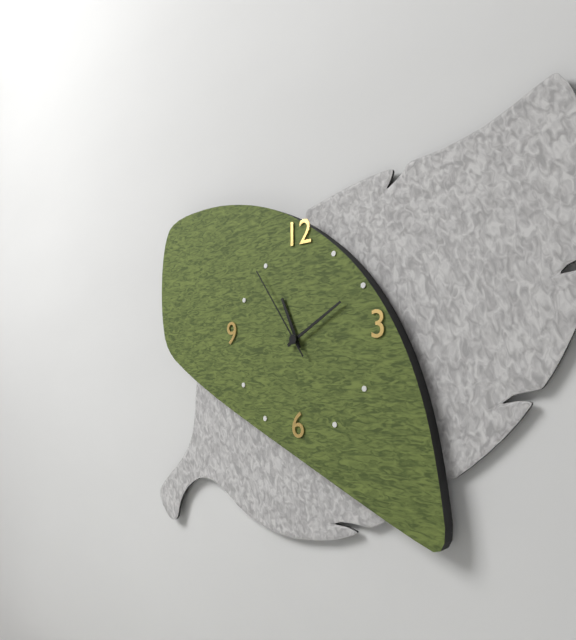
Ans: 11:10:54
